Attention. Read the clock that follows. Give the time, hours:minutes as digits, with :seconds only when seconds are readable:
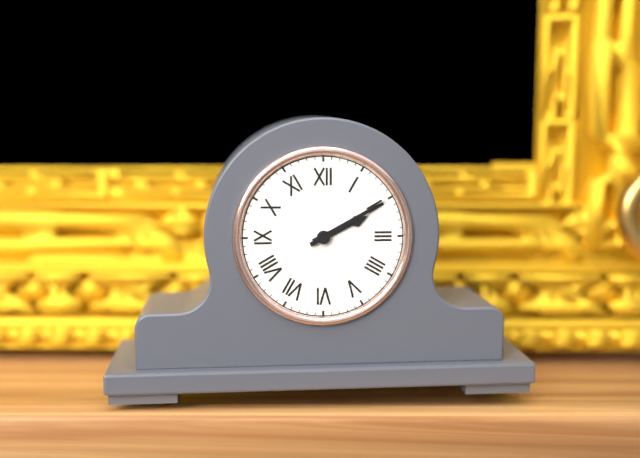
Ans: 2:10
